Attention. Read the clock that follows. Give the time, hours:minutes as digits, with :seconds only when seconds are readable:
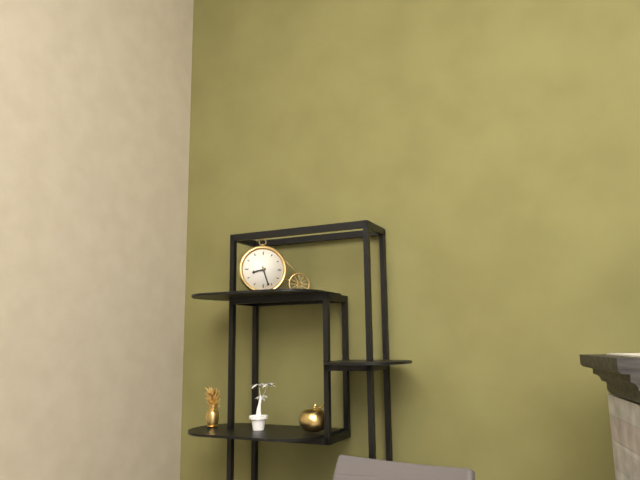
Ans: 8:27
